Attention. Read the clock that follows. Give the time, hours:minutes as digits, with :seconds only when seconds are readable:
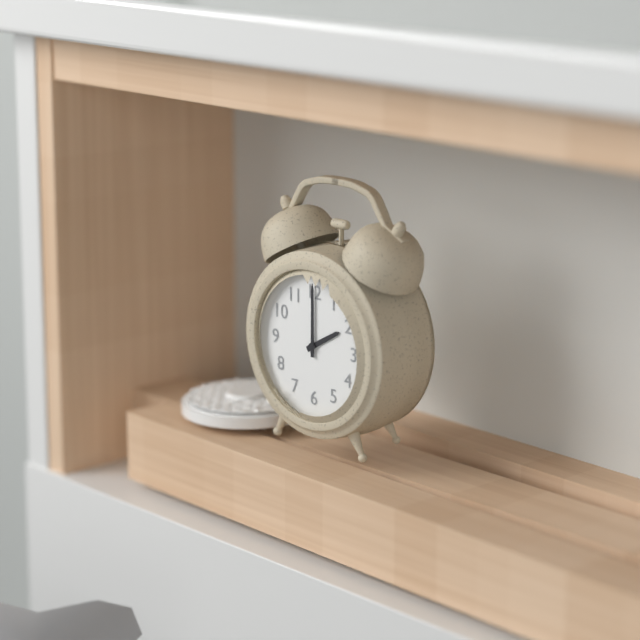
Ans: 2:00
